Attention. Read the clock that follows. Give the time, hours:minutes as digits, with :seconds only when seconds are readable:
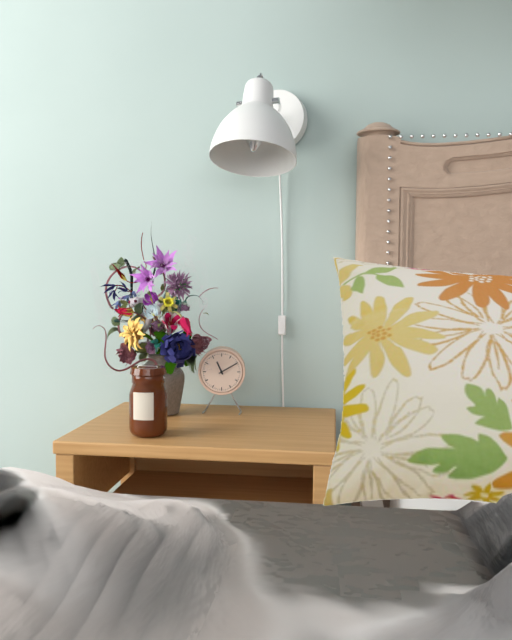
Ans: 11:10
